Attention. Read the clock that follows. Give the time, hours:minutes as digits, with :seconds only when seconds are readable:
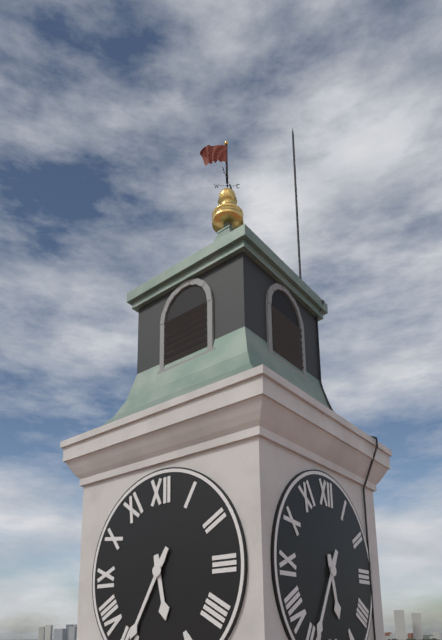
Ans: 5:35
